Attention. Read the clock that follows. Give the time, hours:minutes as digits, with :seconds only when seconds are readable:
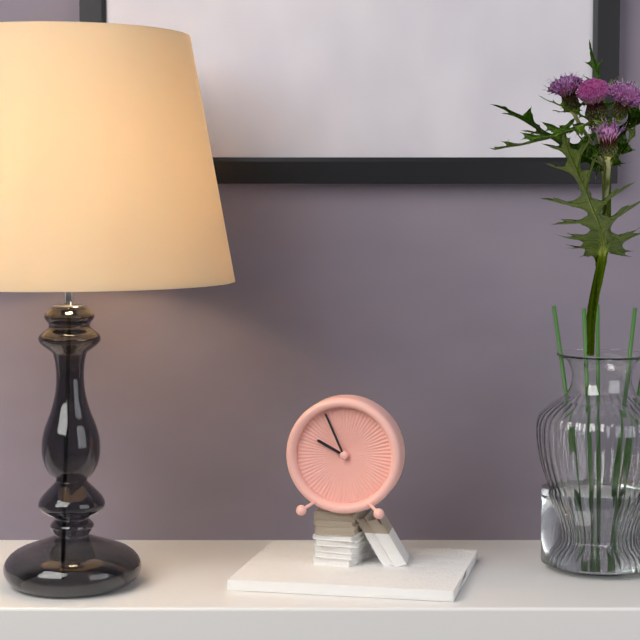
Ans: 9:56
